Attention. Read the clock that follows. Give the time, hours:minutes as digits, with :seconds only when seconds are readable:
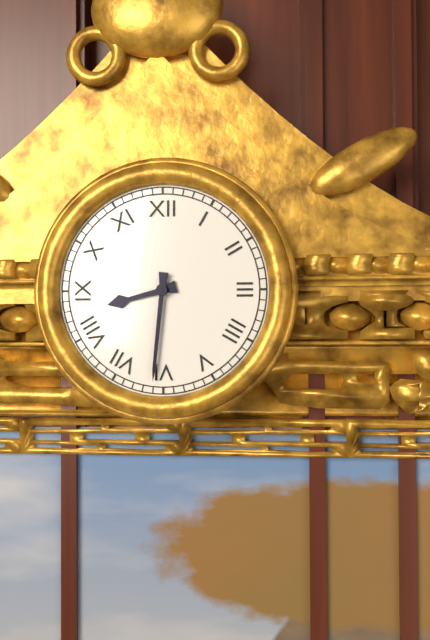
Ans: 8:31
